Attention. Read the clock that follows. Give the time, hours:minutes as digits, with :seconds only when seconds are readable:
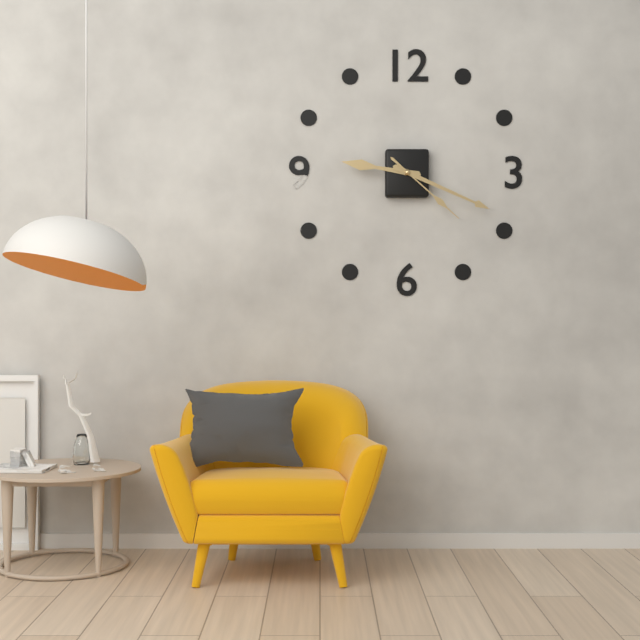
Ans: 9:19:22
